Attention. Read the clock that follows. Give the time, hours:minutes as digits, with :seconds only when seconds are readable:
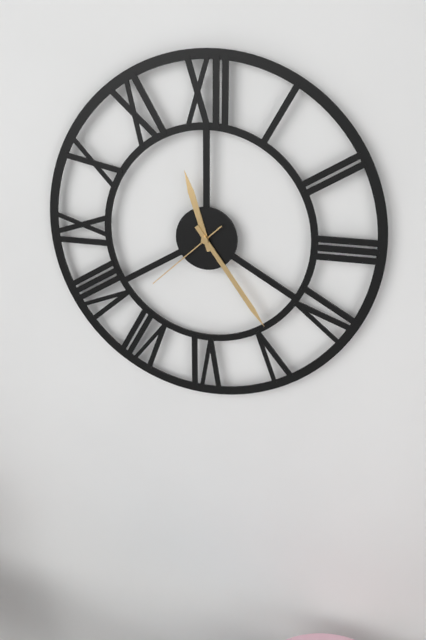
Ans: 11:24:38
